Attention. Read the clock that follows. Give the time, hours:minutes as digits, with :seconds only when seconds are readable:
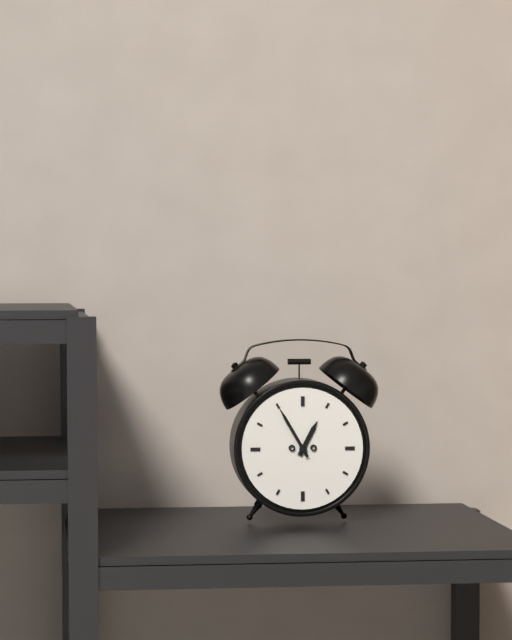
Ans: 12:55
